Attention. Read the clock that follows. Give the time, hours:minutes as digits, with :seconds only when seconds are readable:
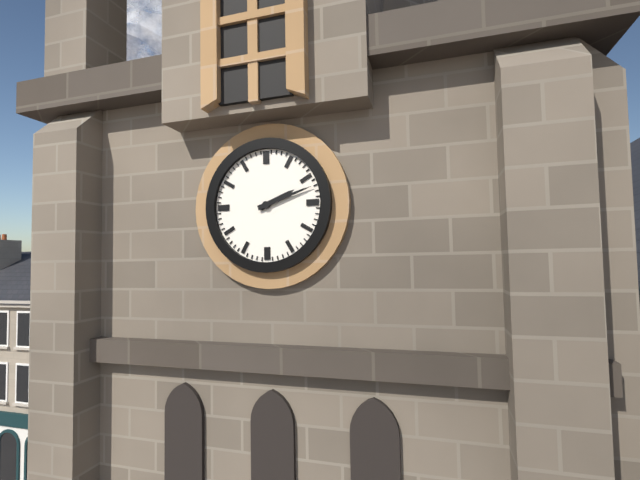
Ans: 2:12
